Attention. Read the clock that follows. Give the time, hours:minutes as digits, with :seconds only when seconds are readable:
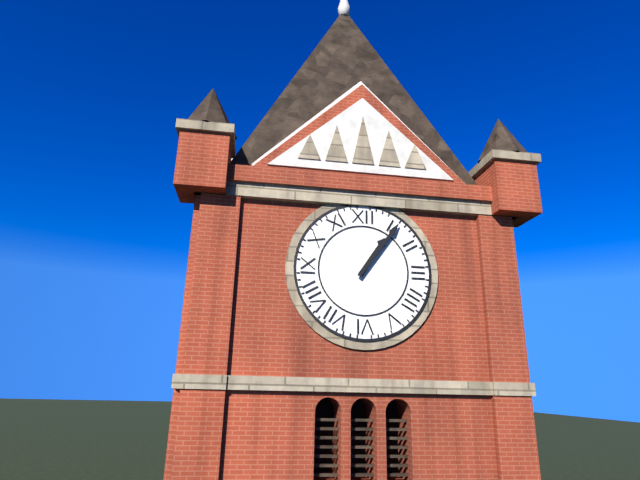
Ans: 1:06
